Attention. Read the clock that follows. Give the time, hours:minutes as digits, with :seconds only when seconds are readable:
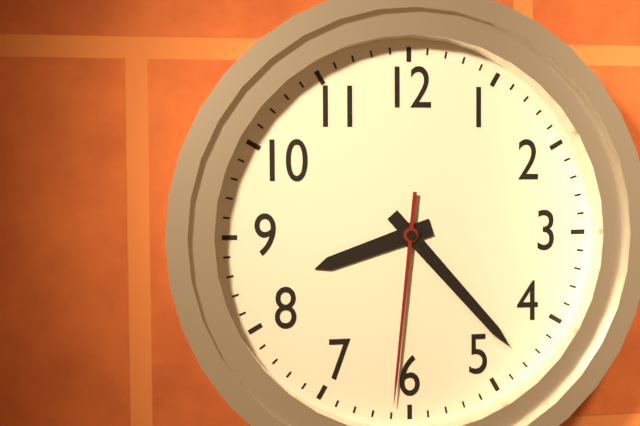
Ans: 8:23:31
